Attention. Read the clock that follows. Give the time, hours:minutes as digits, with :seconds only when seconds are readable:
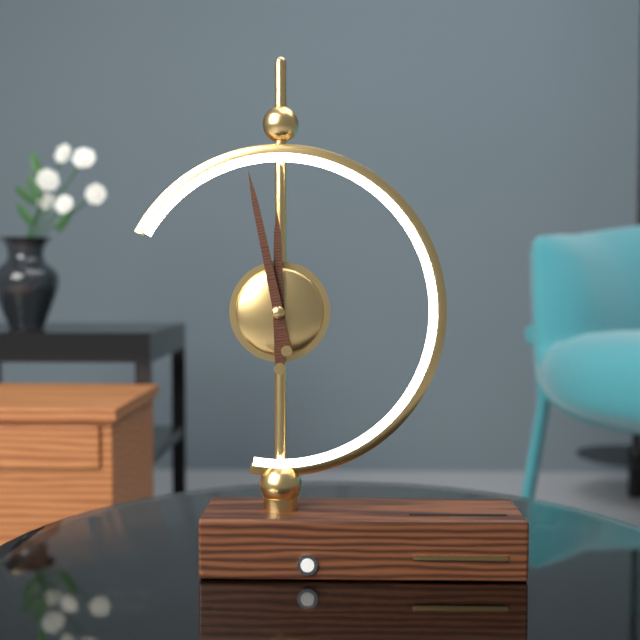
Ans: 11:58
